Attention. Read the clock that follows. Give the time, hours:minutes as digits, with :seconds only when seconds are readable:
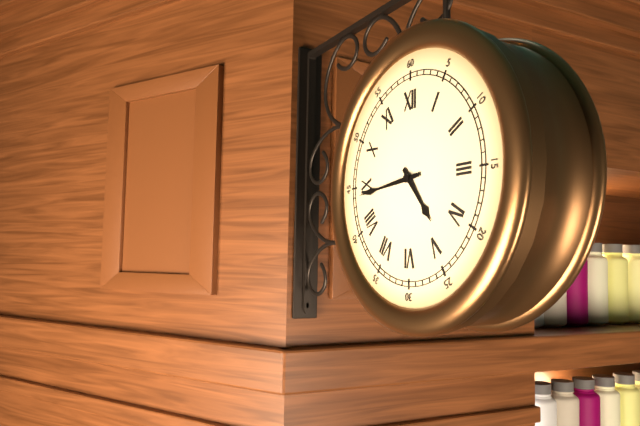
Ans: 4:44
